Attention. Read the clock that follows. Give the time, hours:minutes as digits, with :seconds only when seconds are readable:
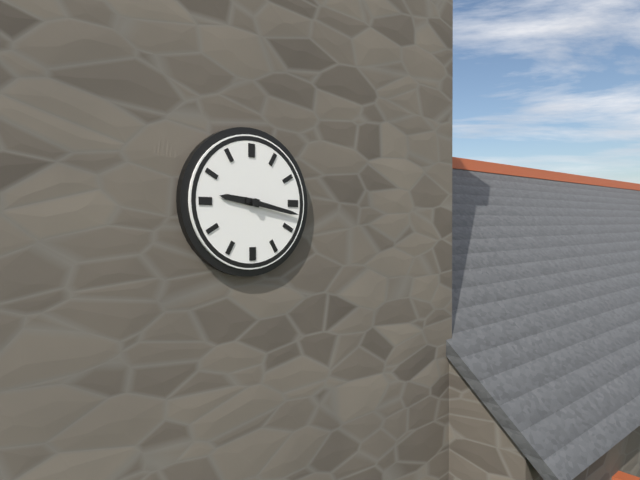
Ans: 9:17
